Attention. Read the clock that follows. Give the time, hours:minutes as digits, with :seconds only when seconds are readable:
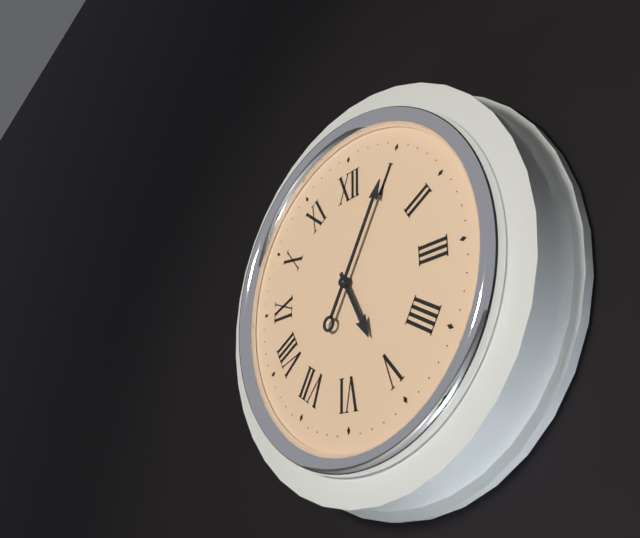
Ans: 5:05
